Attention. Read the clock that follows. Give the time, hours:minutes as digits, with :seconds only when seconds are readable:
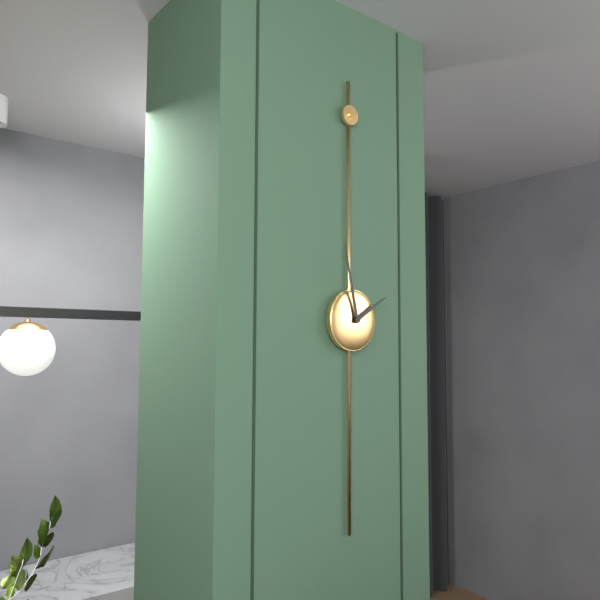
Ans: 1:58
